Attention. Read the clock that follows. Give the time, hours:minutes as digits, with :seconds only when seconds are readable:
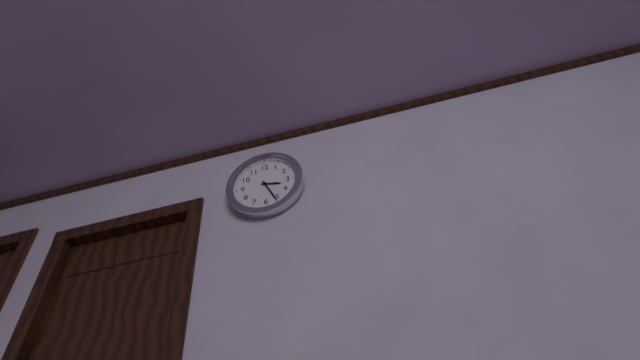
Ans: 3:26
